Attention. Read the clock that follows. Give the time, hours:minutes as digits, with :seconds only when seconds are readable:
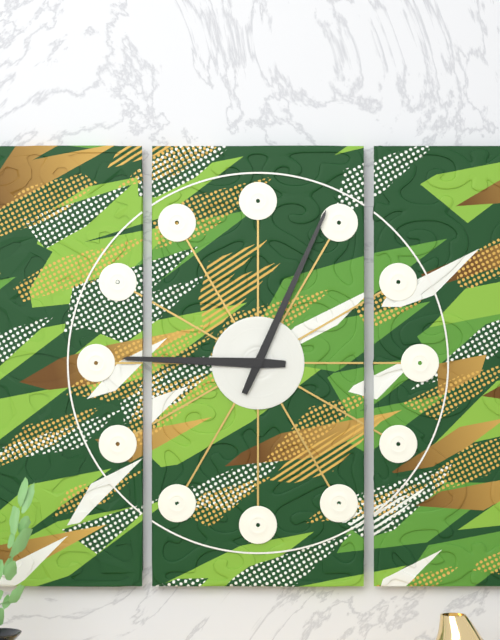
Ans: 9:04
